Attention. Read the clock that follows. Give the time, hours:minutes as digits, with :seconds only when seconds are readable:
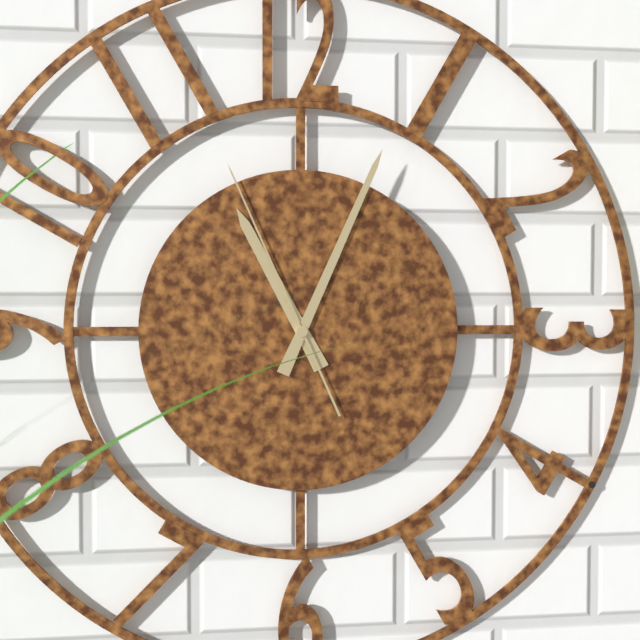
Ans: 11:04:56
